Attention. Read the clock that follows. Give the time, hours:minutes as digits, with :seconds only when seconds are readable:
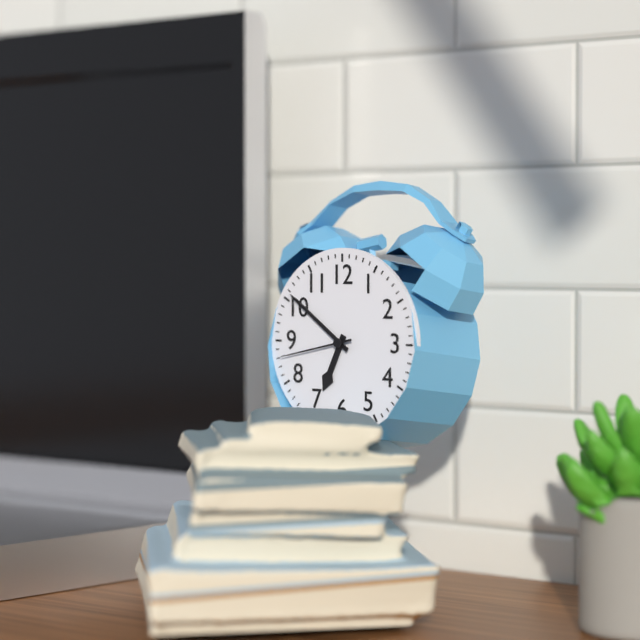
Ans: 6:51:43
